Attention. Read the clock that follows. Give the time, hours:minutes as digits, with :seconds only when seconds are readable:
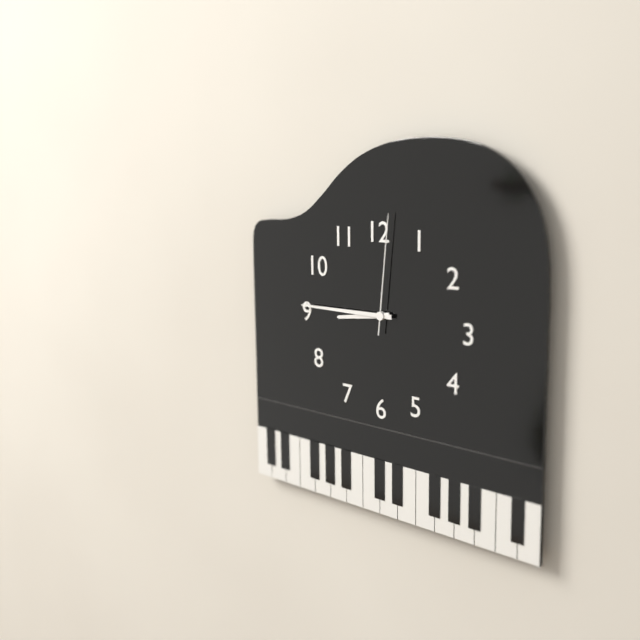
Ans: 8:45:01
